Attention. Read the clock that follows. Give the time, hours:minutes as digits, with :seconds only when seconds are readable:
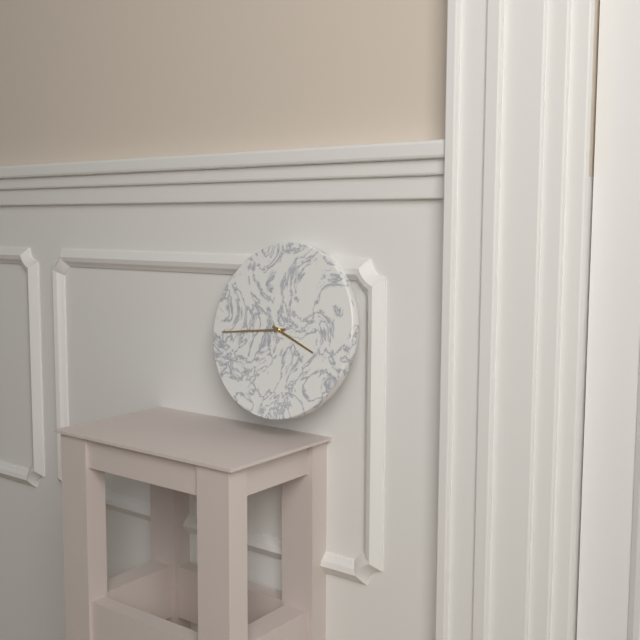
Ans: 3:44
